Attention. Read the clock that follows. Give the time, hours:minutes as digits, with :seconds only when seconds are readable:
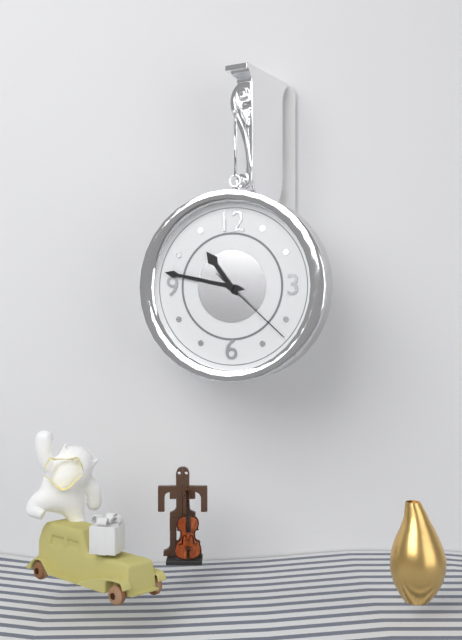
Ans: 10:47:22
